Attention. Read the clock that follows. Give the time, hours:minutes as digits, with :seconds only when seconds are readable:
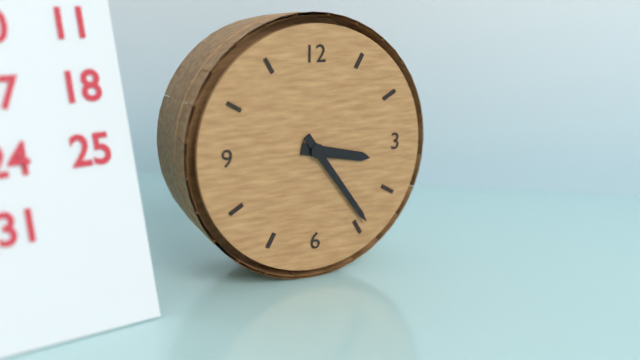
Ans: 3:24
